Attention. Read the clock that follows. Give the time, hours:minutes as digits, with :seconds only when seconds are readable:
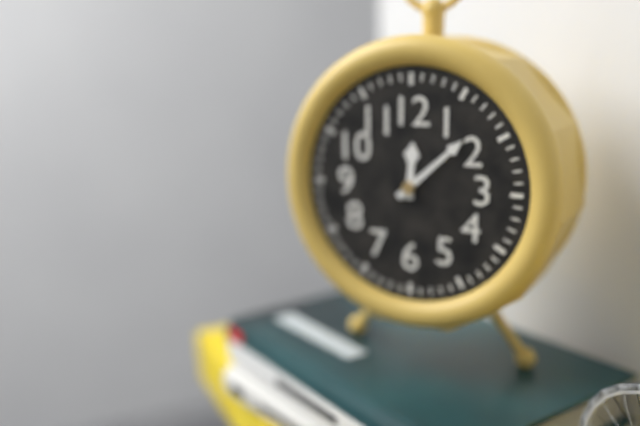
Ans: 12:08
